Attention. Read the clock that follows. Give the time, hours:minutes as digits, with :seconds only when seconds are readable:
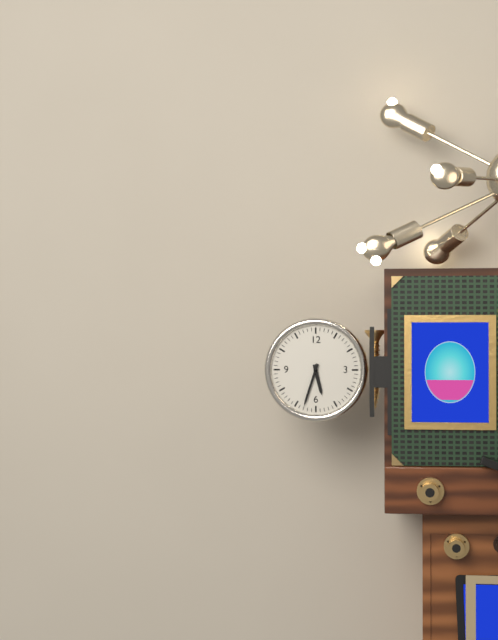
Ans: 5:33
